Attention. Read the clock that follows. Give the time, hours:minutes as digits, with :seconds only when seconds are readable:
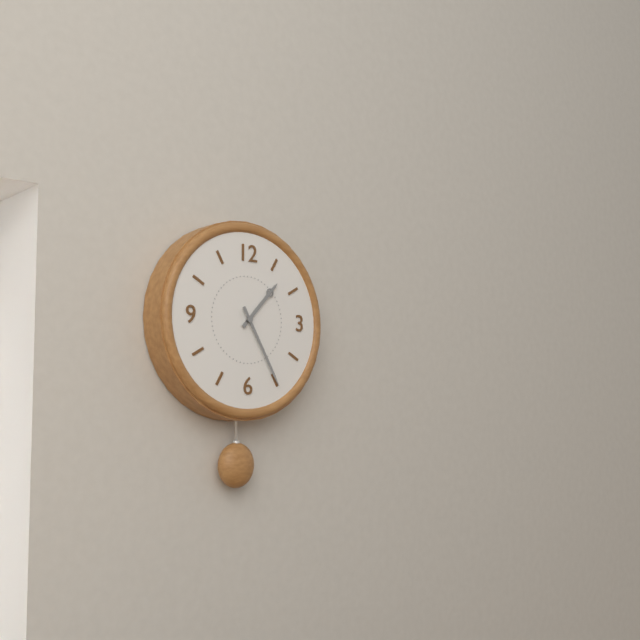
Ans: 1:25
